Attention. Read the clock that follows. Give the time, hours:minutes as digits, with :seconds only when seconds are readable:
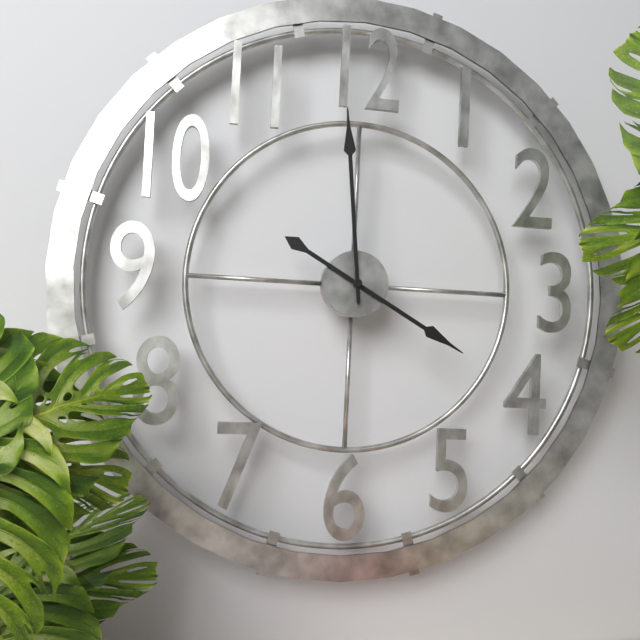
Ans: 3:59
